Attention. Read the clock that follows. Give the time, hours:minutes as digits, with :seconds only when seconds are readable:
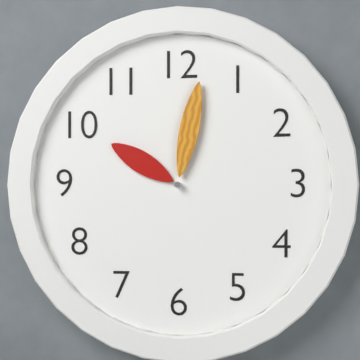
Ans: 10:02
